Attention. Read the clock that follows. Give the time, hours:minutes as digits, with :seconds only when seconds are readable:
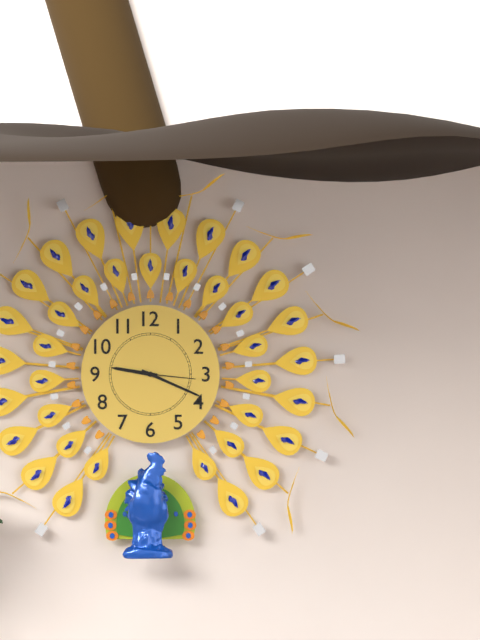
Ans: 9:19:16
